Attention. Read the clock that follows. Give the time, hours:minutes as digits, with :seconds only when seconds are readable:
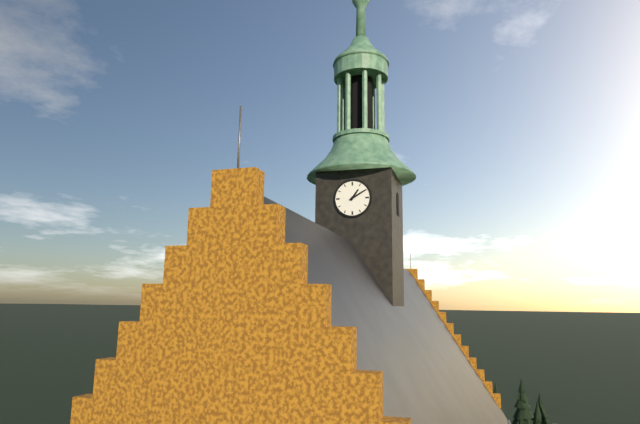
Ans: 1:10
